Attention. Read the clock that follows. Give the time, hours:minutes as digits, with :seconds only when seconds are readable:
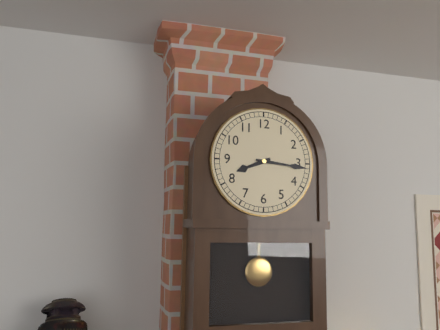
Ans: 8:16
